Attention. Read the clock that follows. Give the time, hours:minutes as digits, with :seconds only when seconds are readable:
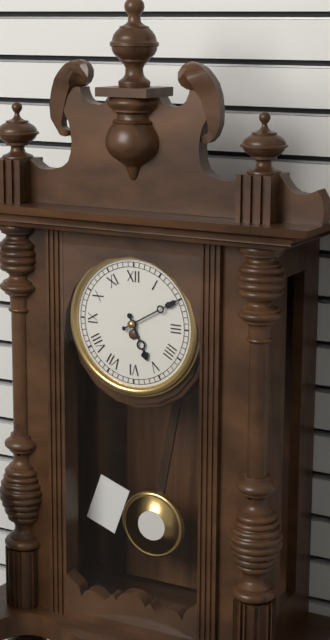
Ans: 5:10
